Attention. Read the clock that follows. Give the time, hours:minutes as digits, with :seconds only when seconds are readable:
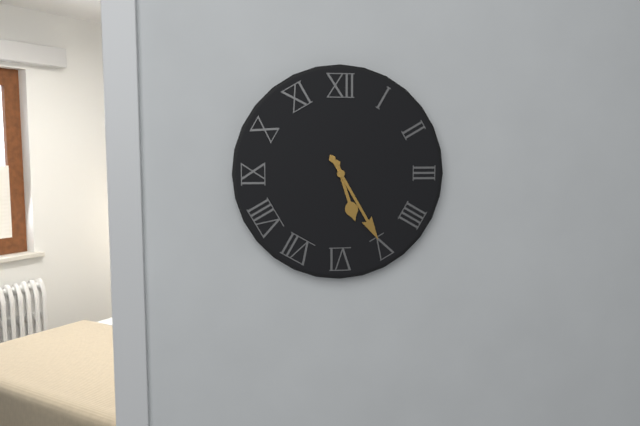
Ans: 5:25
